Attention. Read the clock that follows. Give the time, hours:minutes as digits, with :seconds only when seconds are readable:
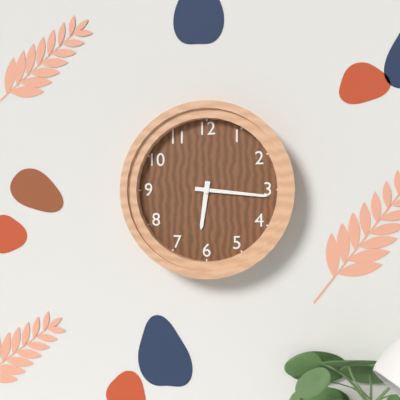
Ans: 6:16
